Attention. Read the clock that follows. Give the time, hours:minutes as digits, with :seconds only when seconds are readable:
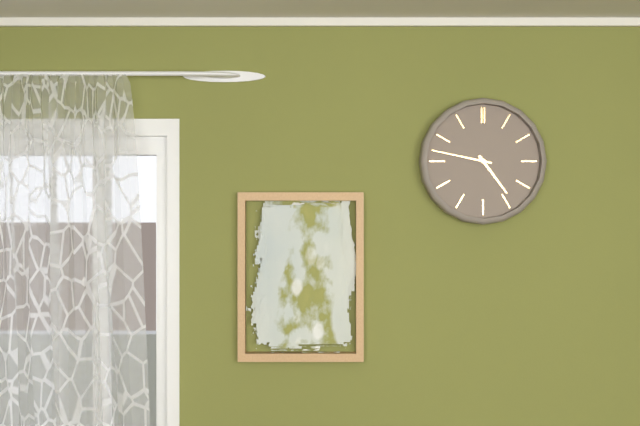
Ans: 4:47
